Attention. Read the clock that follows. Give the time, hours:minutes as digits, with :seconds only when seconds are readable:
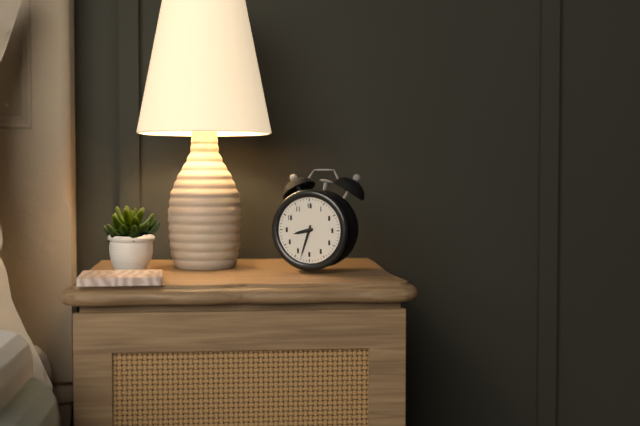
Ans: 8:33
